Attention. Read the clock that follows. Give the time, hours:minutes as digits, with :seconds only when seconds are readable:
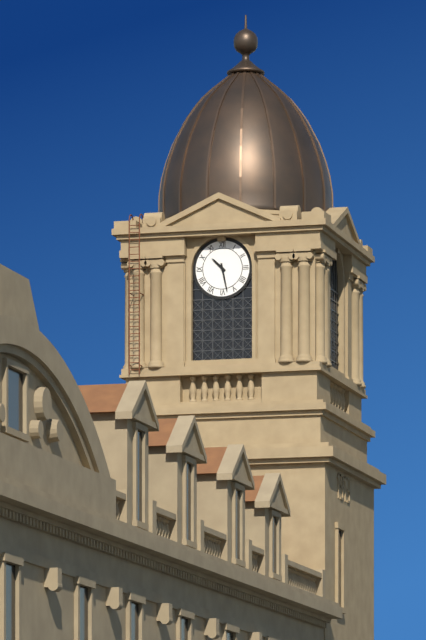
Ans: 10:28
